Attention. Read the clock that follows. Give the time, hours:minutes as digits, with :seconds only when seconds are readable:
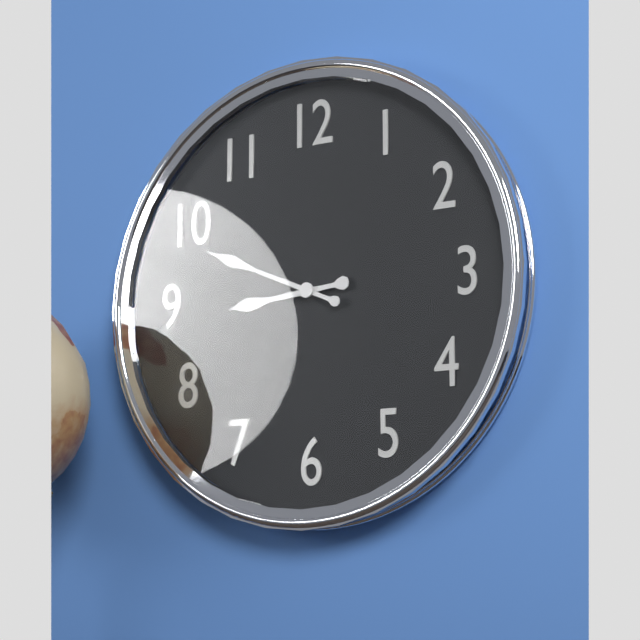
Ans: 8:49
